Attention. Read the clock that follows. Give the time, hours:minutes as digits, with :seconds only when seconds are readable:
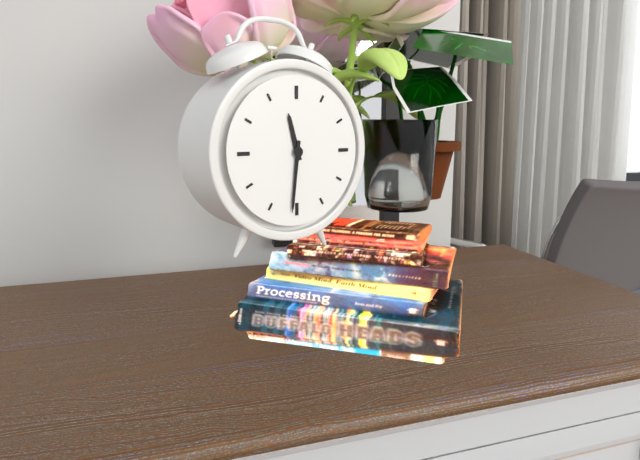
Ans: 11:31
